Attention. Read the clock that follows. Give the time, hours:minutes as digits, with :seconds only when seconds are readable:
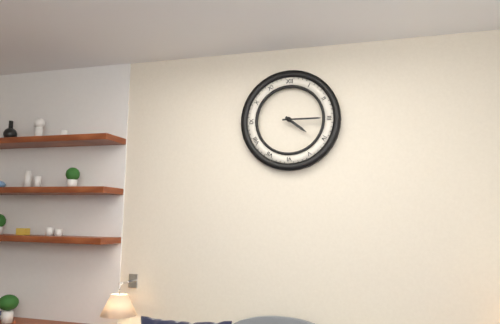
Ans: 4:15
